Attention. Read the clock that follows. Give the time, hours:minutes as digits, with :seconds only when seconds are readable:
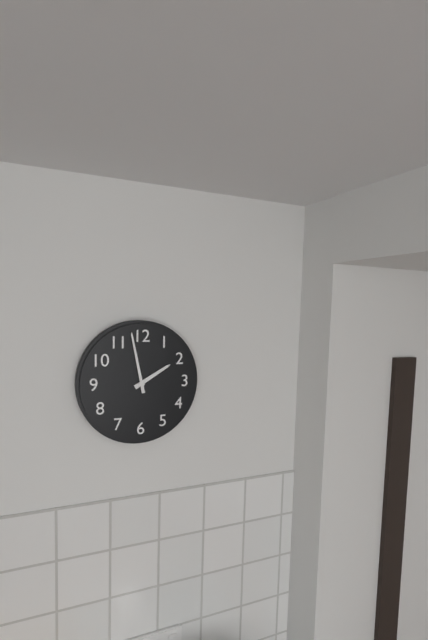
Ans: 1:58
